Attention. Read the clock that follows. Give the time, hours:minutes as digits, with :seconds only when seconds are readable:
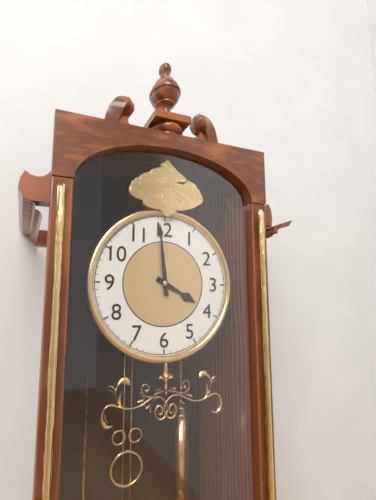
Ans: 3:59
